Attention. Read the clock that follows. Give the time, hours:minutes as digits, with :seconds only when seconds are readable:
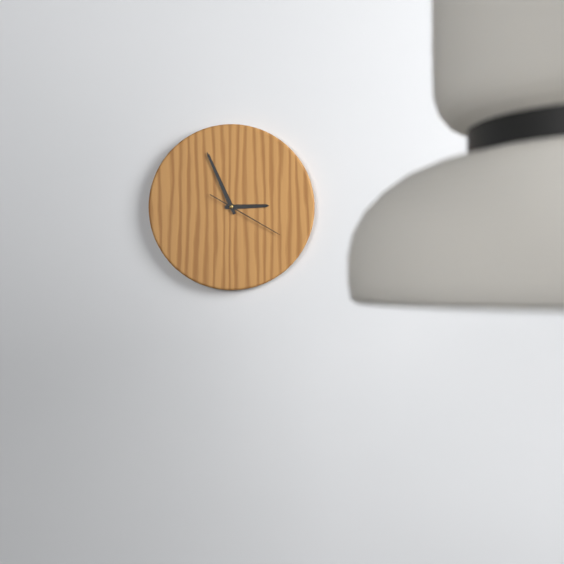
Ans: 2:56:20
